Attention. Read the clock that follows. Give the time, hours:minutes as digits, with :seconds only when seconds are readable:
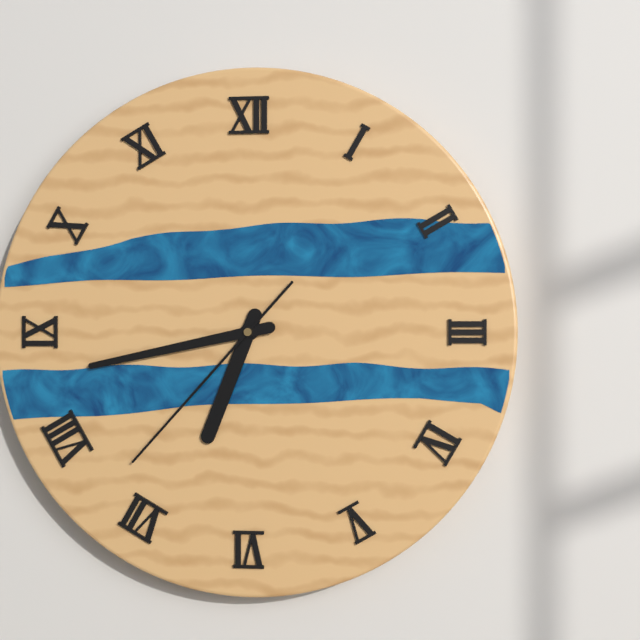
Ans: 6:43:37
